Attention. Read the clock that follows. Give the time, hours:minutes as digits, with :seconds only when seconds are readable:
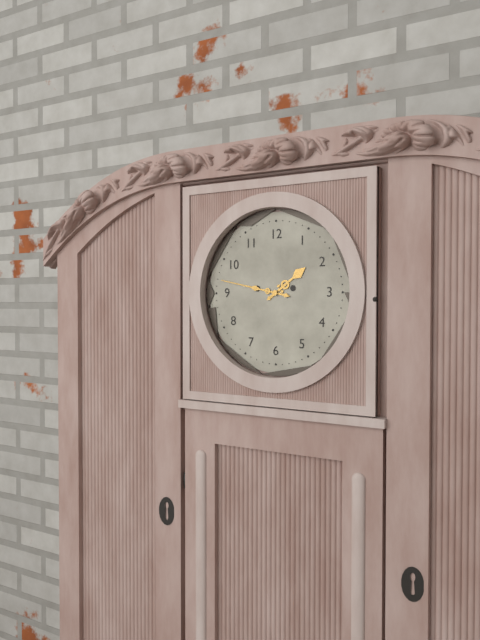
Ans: 1:47
